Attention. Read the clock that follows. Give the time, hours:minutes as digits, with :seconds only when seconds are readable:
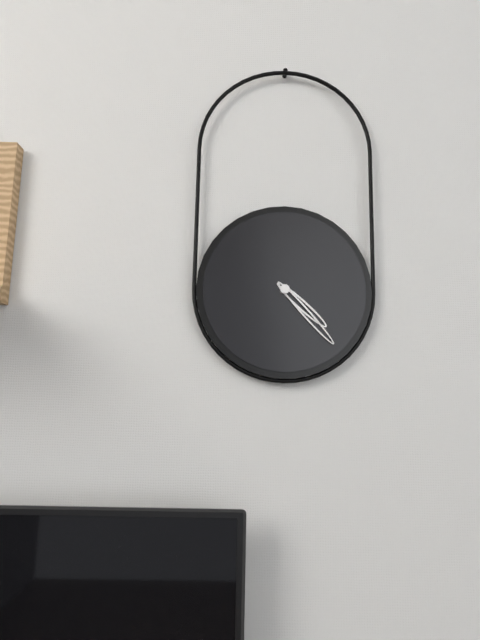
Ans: 4:23
